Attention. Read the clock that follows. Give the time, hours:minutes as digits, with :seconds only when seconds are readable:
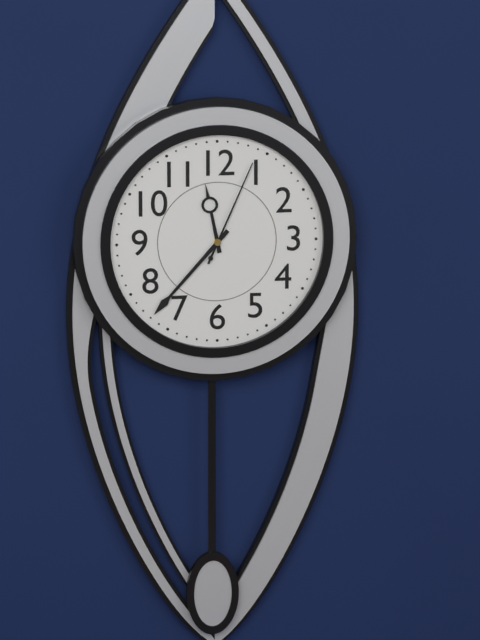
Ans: 11:37:04
